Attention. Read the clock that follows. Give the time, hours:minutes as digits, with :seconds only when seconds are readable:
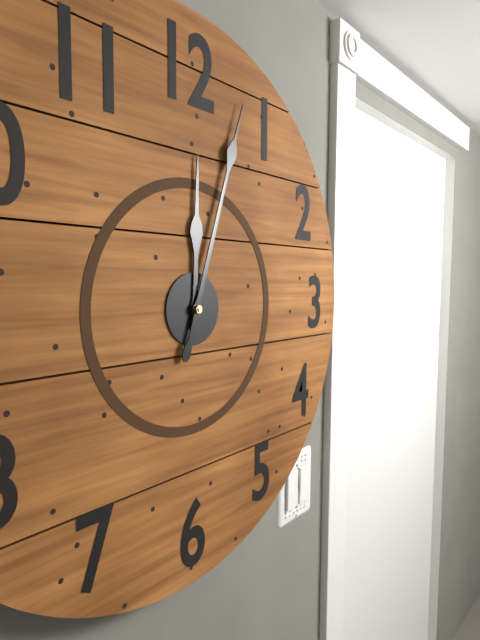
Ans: 12:03
